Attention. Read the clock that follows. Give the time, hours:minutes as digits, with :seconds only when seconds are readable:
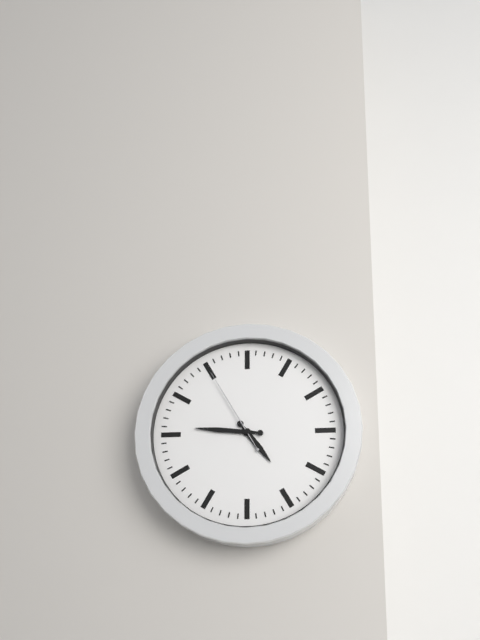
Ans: 4:46:55
